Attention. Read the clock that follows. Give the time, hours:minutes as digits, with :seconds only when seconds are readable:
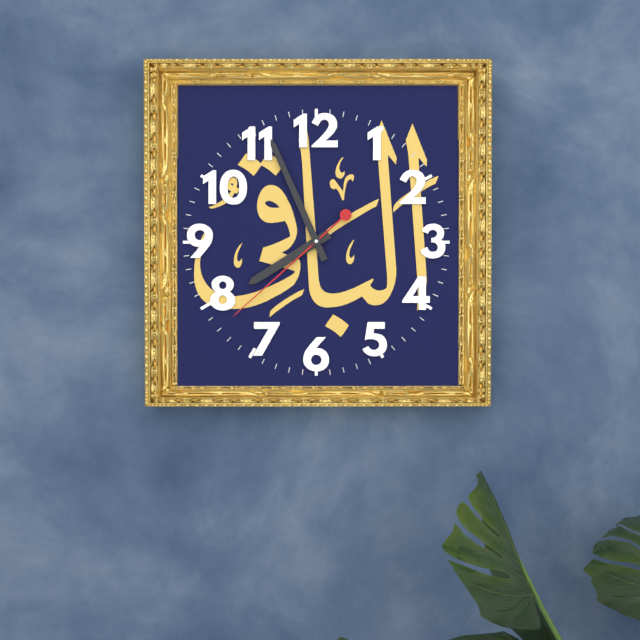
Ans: 7:56:38
